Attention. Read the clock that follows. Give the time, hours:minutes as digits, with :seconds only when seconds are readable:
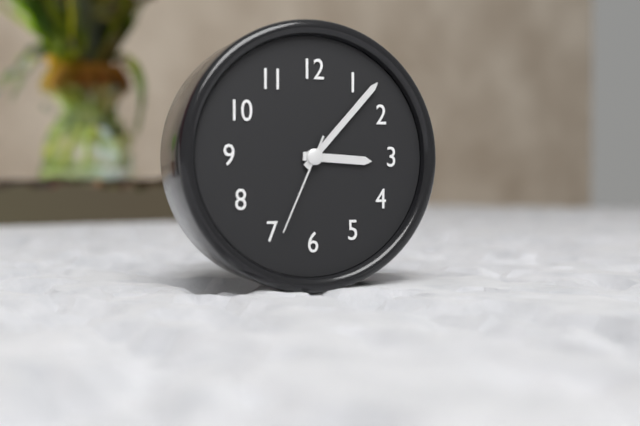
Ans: 3:07:34
